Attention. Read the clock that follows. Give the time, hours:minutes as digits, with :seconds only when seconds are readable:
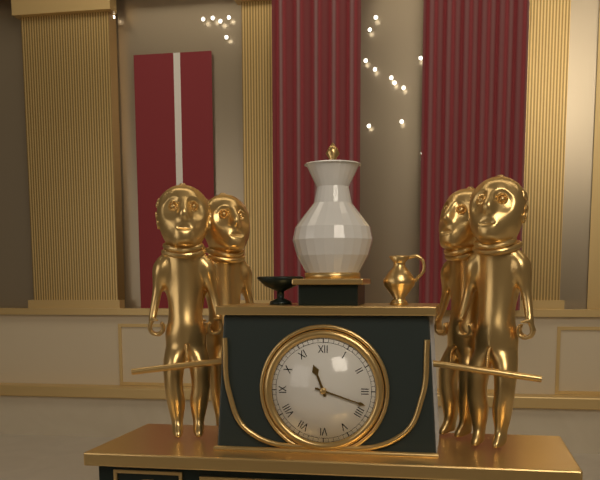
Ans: 11:18
